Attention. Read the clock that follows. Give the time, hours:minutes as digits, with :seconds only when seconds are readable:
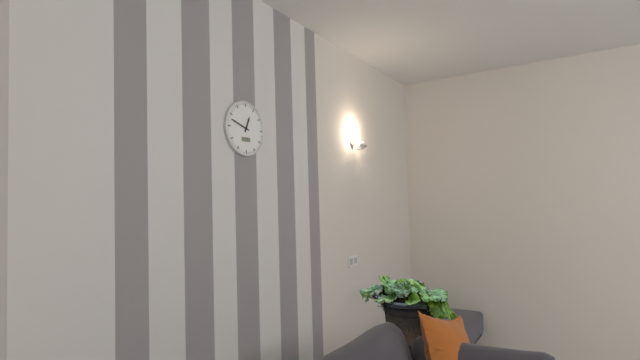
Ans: 12:48
